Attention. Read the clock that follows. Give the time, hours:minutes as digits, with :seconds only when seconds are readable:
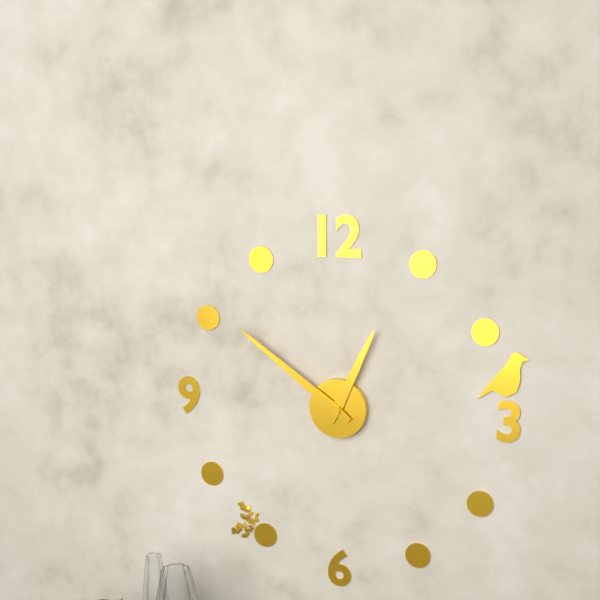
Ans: 12:51
